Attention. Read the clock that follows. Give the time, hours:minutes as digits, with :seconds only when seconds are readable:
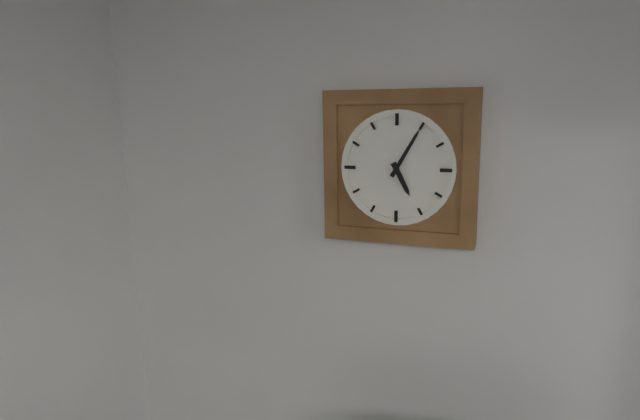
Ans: 5:05
